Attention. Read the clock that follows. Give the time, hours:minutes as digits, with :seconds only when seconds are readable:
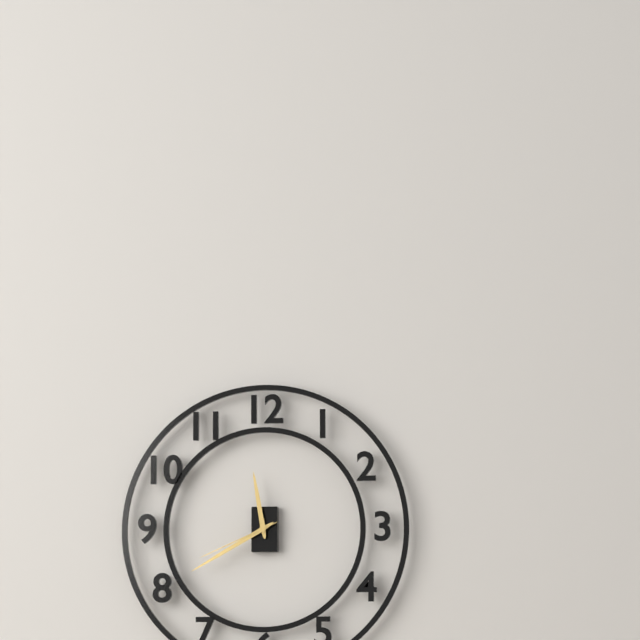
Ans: 11:40:41
